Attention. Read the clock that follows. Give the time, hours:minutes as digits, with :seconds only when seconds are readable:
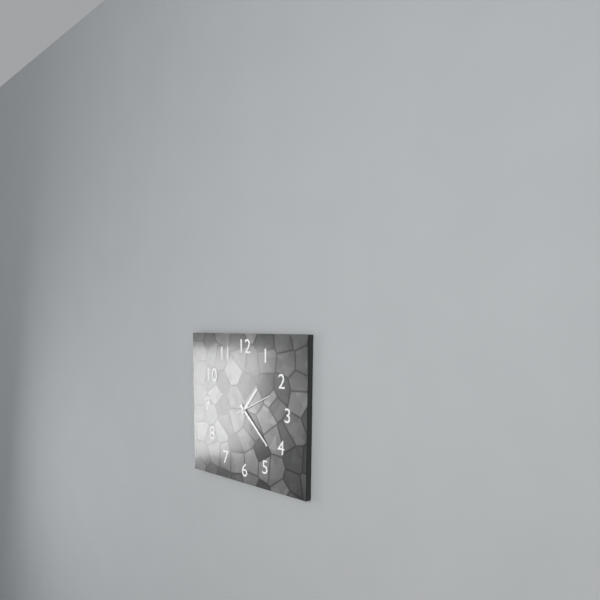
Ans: 1:22
